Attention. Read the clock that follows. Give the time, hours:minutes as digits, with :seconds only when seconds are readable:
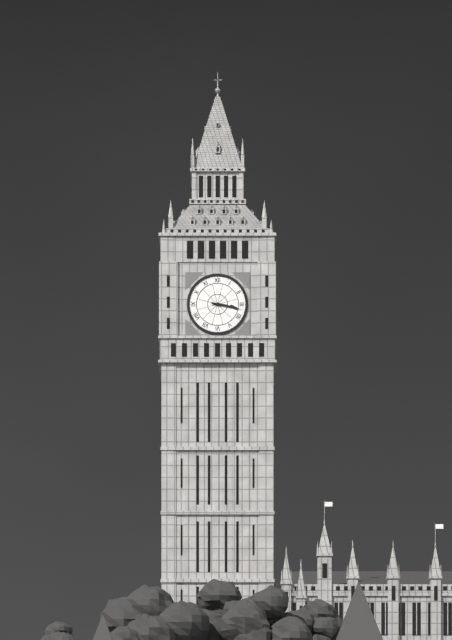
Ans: 3:17
